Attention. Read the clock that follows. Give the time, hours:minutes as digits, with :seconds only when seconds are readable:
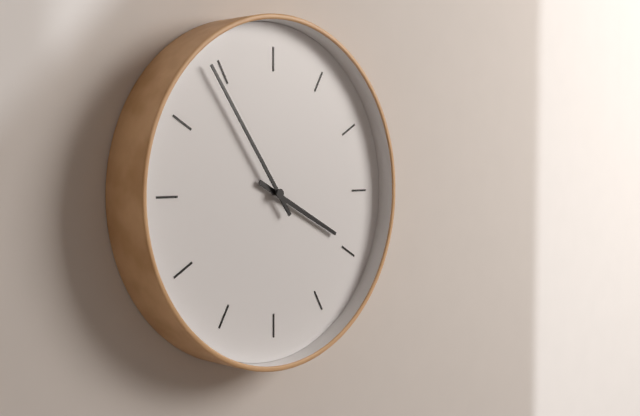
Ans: 3:54
